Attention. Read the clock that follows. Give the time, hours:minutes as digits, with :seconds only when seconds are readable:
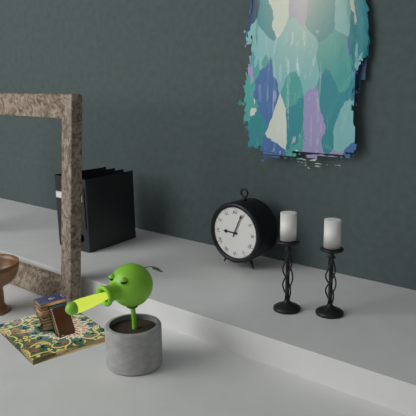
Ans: 9:04
